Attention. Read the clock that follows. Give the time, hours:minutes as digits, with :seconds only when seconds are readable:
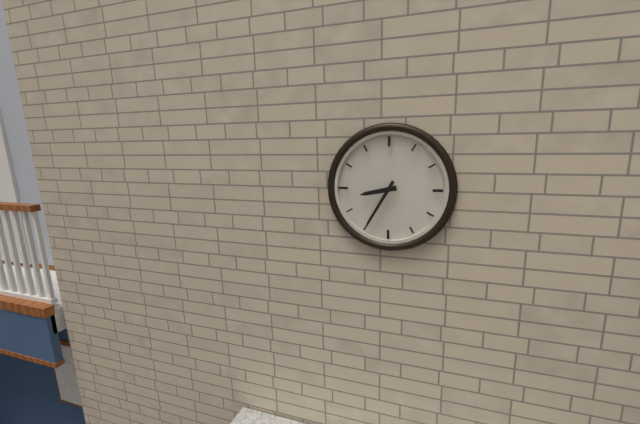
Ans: 8:35
